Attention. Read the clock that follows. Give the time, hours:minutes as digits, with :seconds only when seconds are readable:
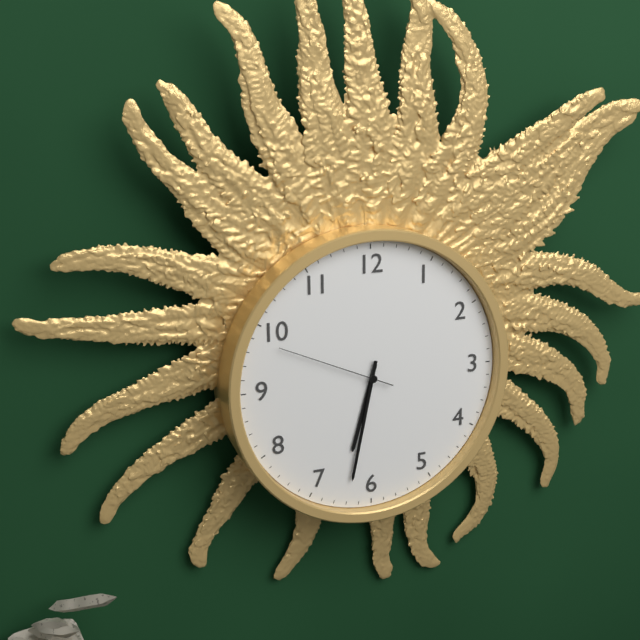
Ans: 6:32:49
